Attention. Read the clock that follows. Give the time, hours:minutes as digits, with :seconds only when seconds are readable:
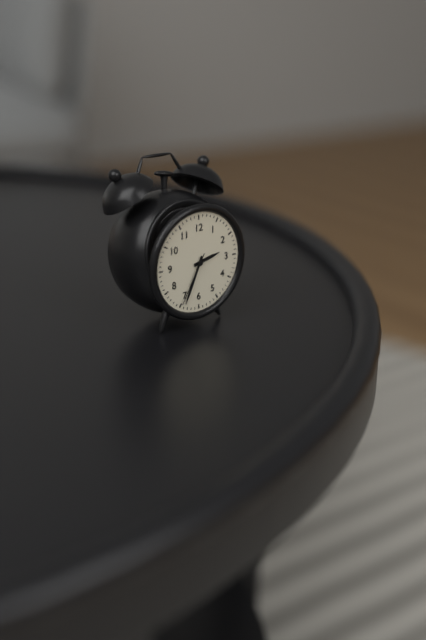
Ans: 2:34:35
